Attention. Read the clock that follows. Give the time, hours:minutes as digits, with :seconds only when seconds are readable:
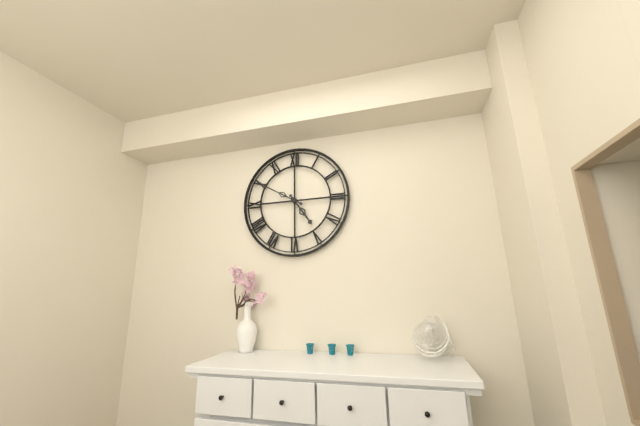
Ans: 4:50
